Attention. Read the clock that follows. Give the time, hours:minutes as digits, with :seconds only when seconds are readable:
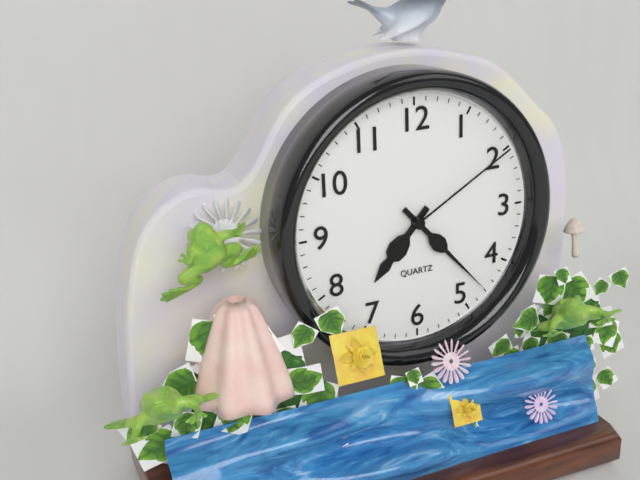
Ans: 7:23:10
